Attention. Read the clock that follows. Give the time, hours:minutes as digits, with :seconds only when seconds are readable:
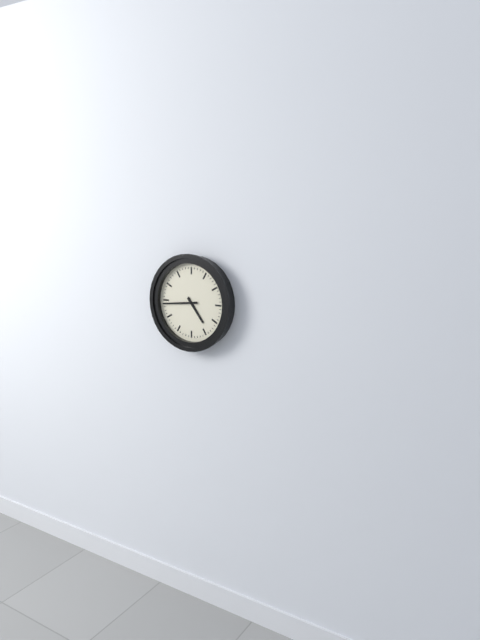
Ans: 4:44
